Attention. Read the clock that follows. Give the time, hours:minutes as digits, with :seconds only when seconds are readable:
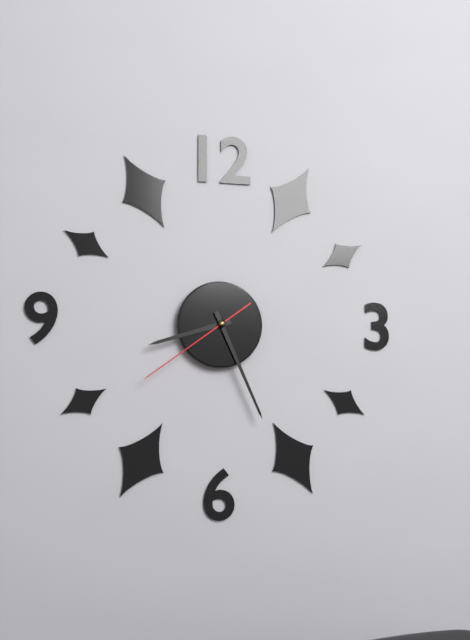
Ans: 8:26:39
